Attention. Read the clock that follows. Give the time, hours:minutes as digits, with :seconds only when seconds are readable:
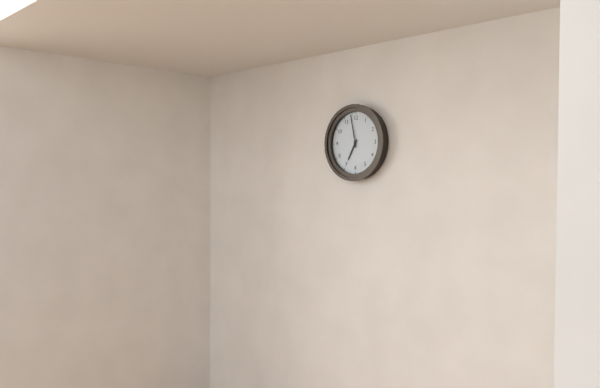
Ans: 6:58
